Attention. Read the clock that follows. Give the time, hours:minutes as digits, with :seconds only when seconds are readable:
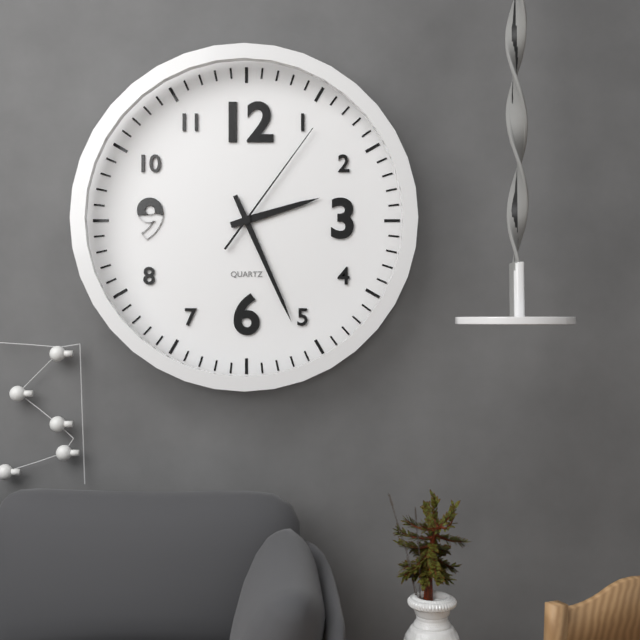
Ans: 2:26:06
